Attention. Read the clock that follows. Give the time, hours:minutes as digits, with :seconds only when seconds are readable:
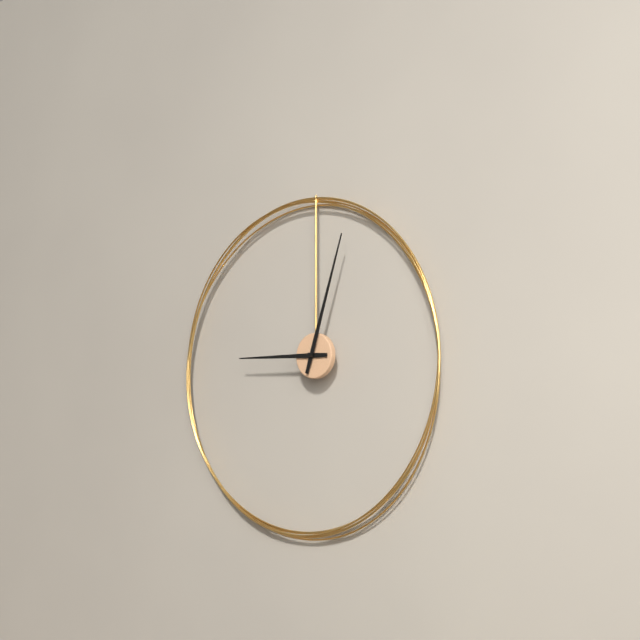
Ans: 9:03
